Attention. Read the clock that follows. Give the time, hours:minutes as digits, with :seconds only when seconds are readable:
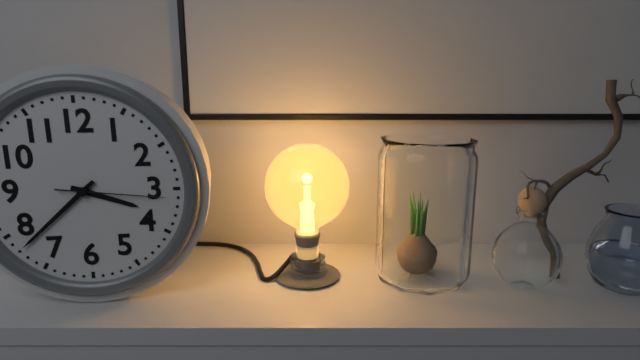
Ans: 3:38:16
